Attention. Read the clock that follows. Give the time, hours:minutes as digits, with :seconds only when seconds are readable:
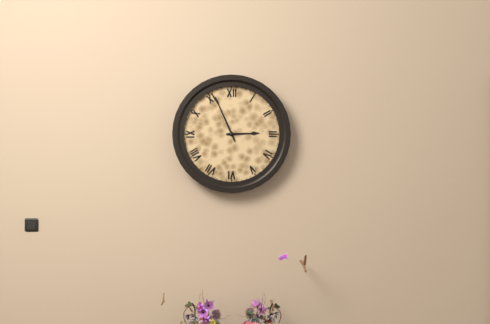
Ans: 2:56
